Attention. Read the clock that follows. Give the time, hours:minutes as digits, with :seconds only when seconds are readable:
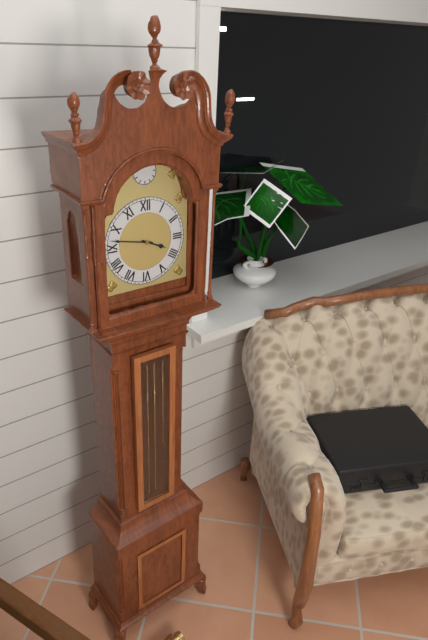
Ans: 3:47
